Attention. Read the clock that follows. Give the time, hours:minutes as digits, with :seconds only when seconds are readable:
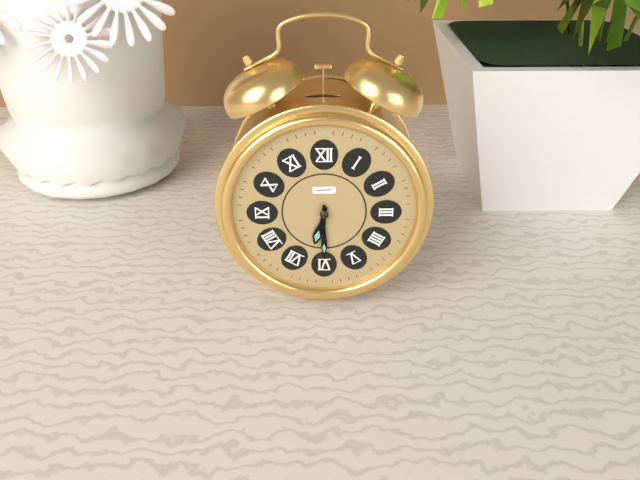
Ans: 6:30
